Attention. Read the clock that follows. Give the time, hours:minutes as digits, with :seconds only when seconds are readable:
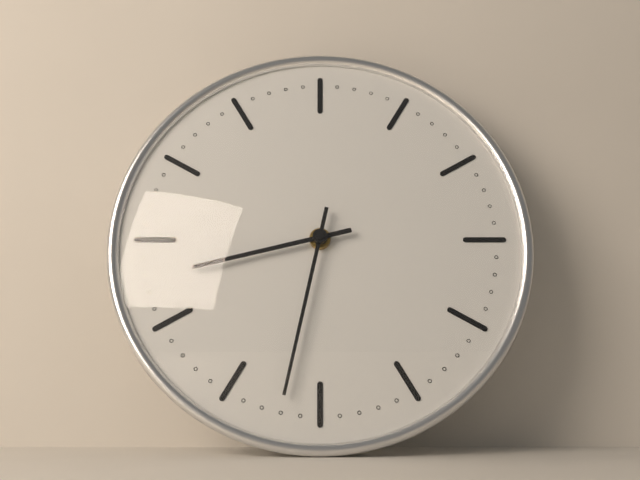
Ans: 8:32
